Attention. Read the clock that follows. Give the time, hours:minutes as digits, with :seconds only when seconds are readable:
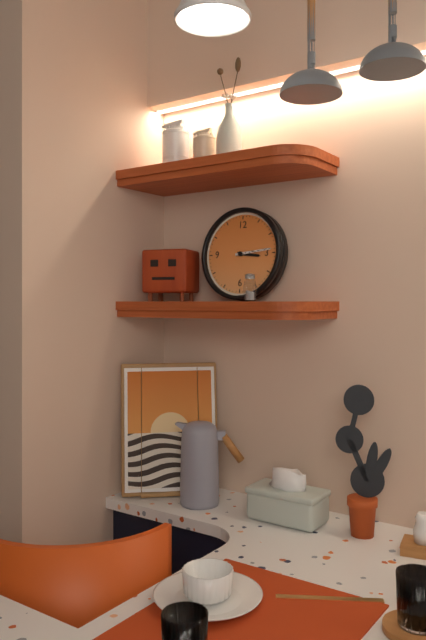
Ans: 3:14
